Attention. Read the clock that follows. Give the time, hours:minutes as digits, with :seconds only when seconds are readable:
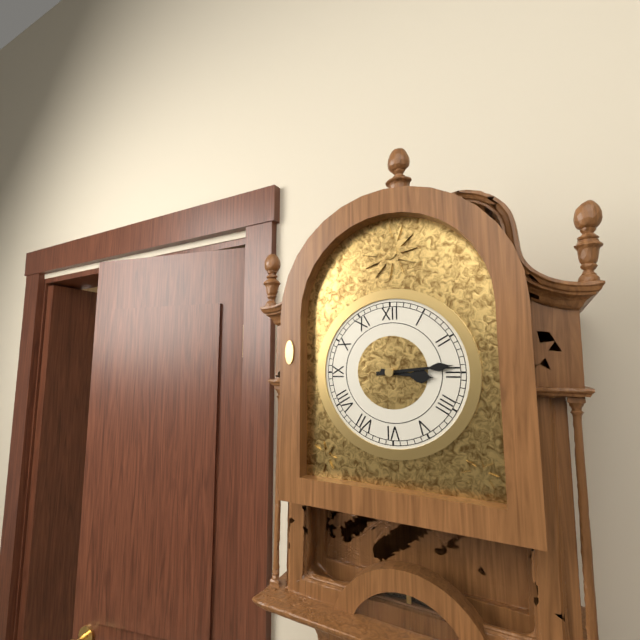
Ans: 3:14
